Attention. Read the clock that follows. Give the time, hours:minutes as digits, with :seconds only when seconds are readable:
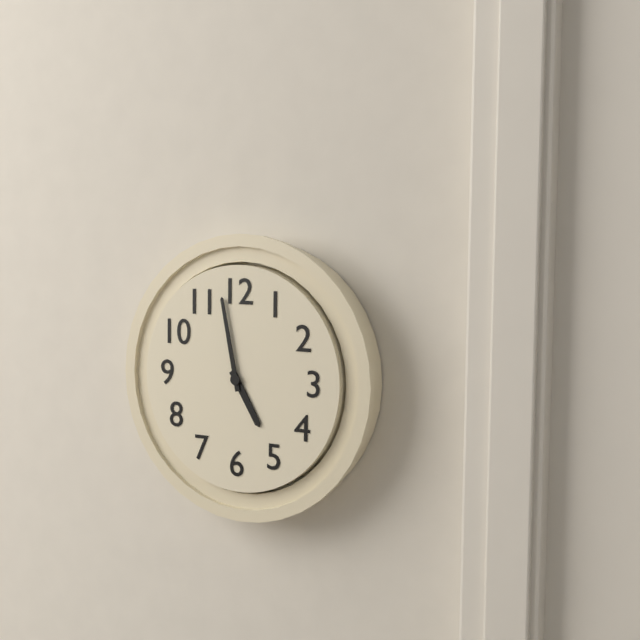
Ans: 4:58
